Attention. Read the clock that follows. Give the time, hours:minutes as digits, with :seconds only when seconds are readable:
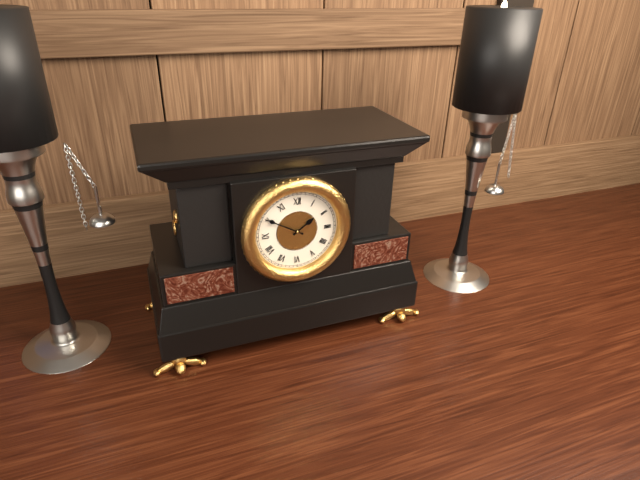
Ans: 1:50
